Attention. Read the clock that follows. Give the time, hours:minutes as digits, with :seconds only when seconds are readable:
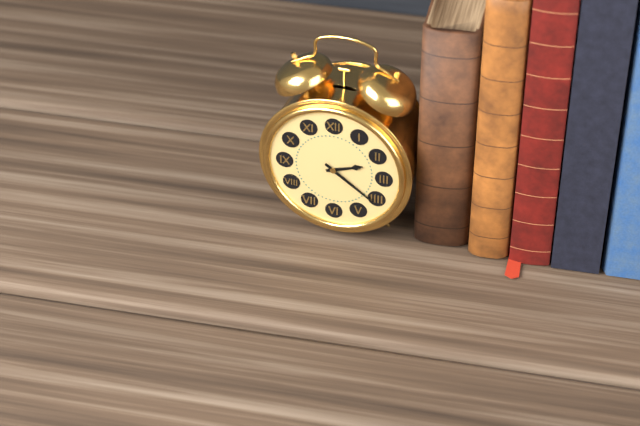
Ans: 2:21
